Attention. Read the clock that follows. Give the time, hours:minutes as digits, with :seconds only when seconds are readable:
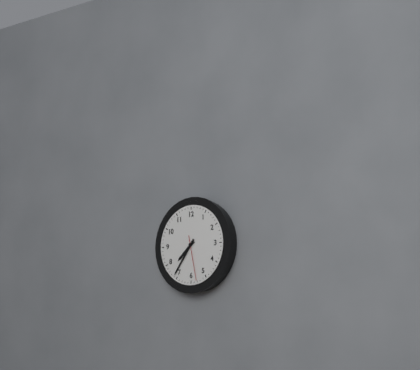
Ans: 7:36
